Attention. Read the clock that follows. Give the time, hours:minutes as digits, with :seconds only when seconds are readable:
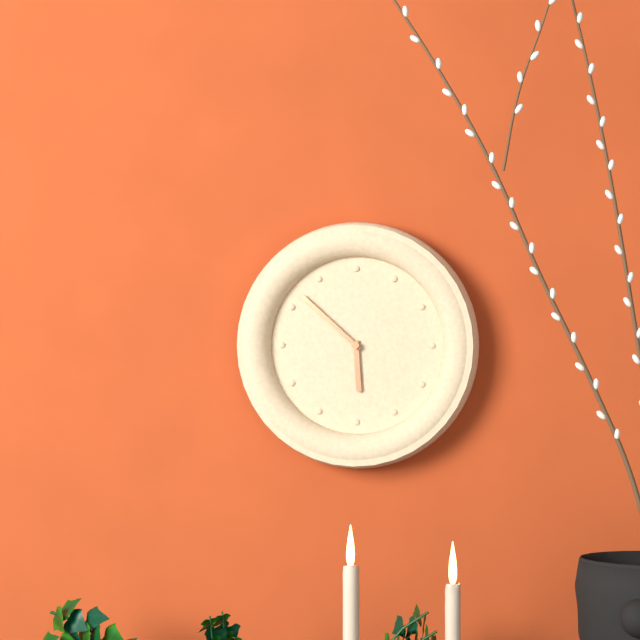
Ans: 5:52
